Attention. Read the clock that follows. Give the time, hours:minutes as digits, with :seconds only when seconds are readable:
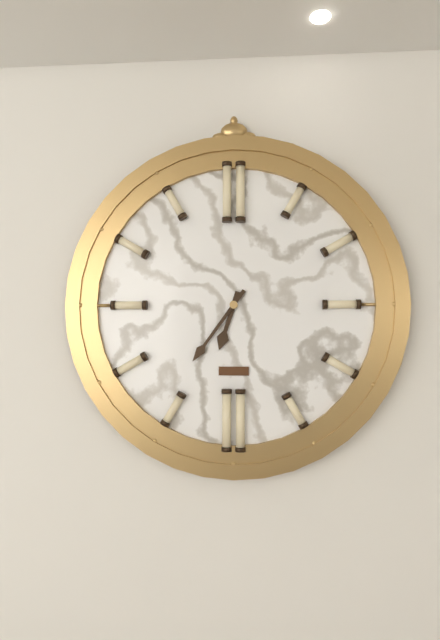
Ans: 6:36
